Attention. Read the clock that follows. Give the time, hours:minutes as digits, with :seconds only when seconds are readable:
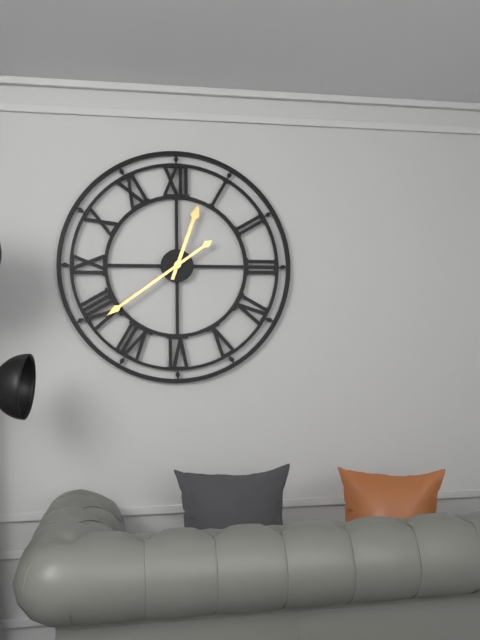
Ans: 12:39
